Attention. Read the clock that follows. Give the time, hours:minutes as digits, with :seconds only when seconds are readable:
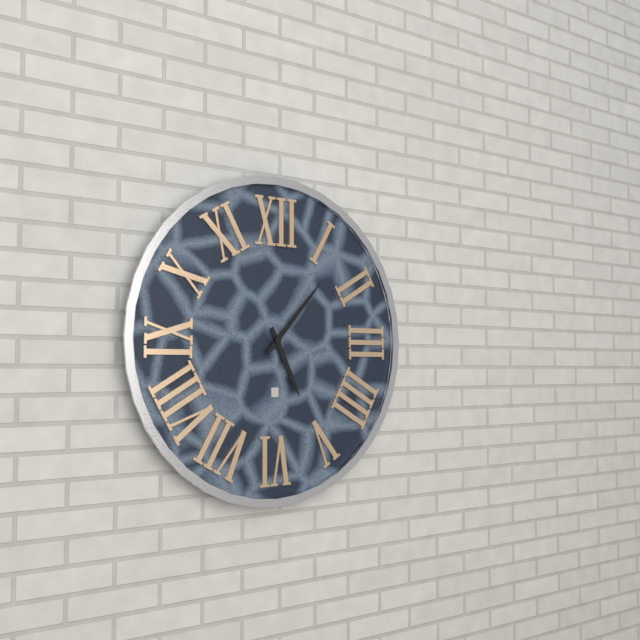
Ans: 5:07
